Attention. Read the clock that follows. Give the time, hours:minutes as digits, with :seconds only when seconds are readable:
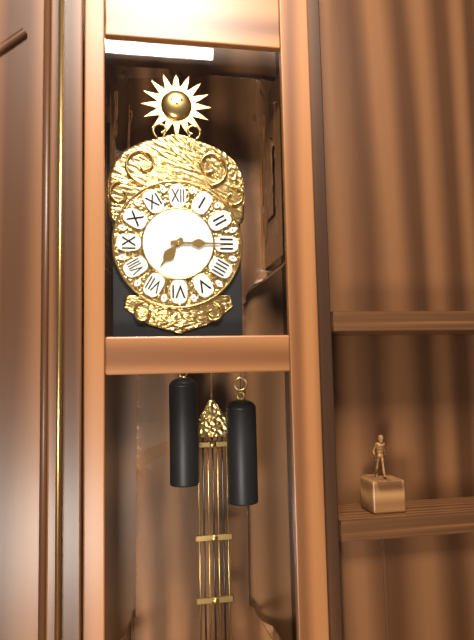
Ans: 7:15
